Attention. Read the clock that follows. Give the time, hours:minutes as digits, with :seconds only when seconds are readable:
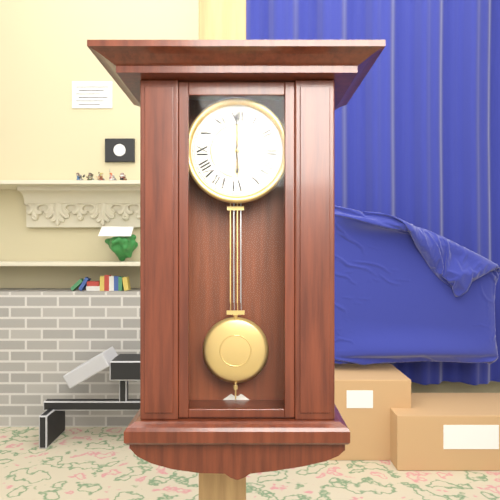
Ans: 6:00
